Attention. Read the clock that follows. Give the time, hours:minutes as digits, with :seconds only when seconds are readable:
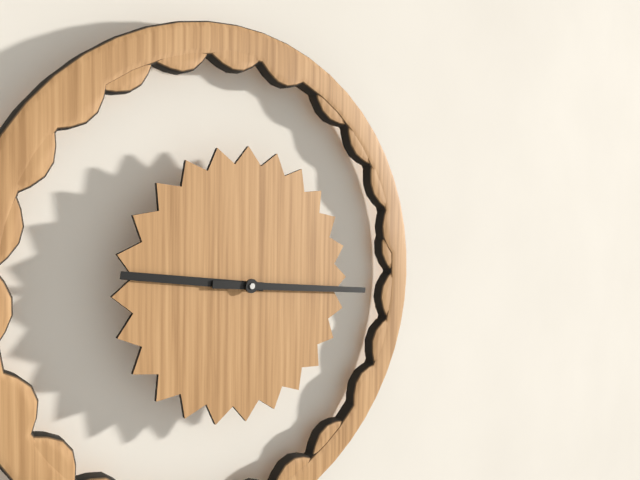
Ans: 9:16
